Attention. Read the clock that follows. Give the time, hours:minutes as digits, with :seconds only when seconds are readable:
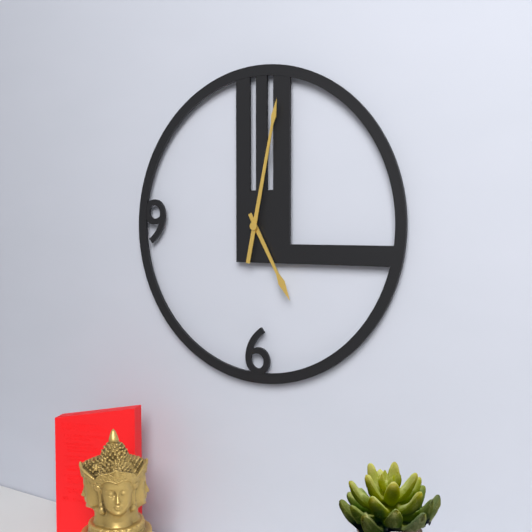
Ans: 5:02
